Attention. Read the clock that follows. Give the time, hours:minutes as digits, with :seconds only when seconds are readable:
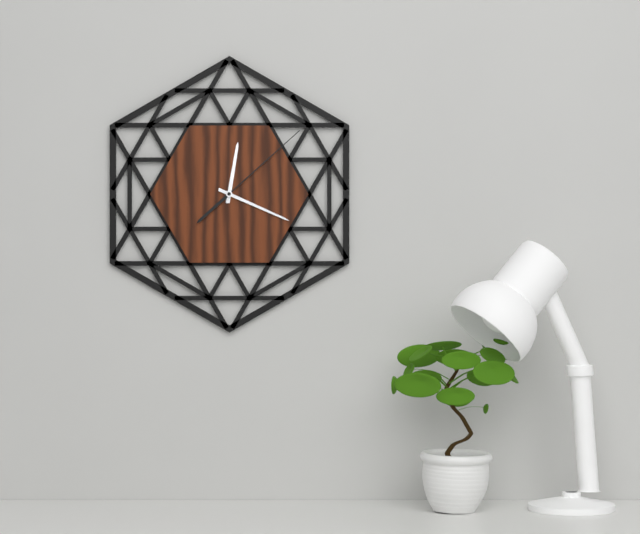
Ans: 12:19:08
